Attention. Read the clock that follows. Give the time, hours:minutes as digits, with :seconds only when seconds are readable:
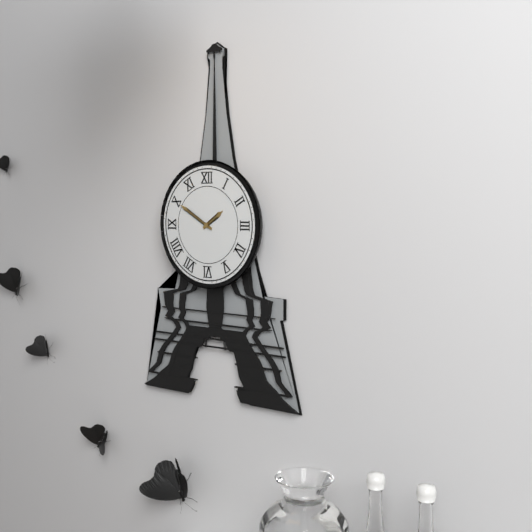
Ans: 1:50
